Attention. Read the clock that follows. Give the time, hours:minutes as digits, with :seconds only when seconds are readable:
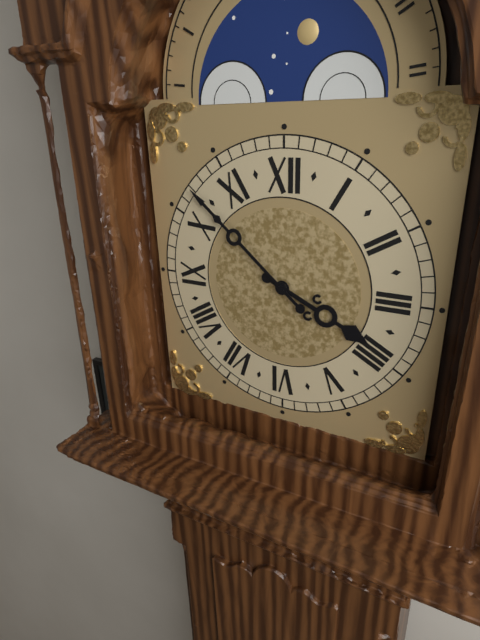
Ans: 3:52
